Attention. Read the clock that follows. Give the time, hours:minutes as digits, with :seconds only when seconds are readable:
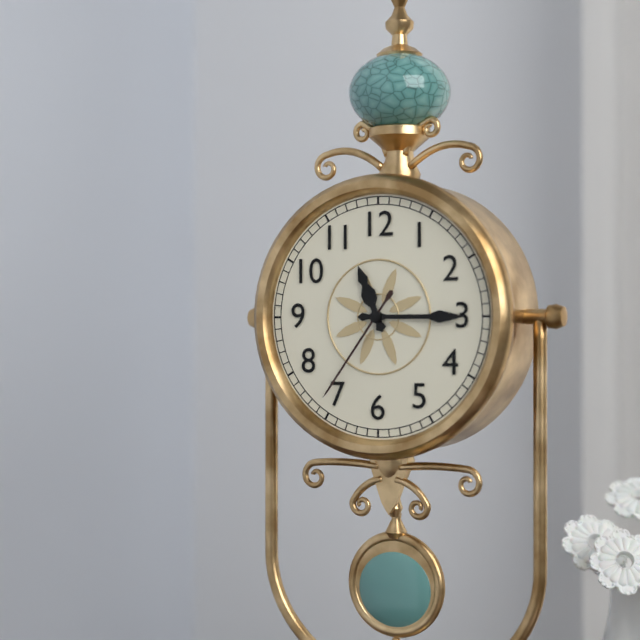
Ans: 11:15:36
